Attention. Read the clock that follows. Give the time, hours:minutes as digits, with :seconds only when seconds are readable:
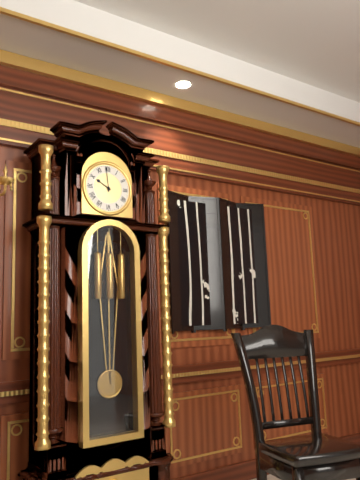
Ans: 9:59
